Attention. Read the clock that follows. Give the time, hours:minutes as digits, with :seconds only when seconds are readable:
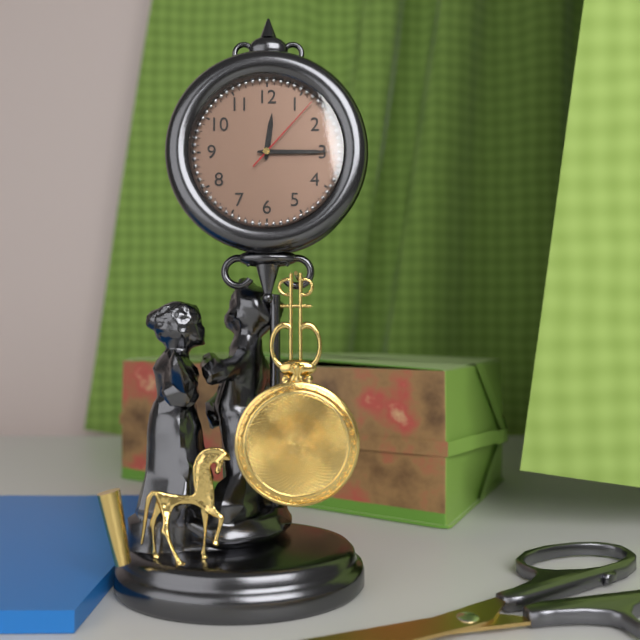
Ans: 12:15:07
